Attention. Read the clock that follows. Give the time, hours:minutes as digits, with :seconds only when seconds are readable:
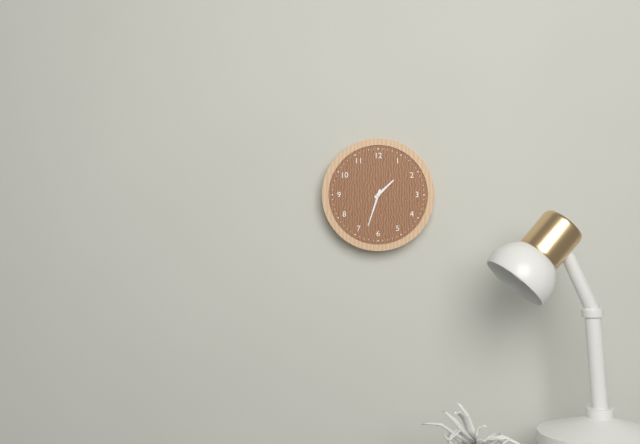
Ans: 1:33
